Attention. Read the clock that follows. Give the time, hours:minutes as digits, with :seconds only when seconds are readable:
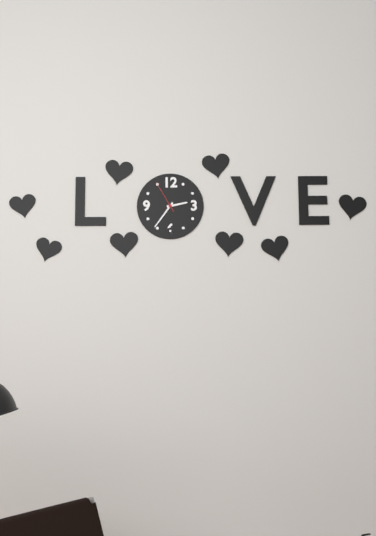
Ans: 2:36
